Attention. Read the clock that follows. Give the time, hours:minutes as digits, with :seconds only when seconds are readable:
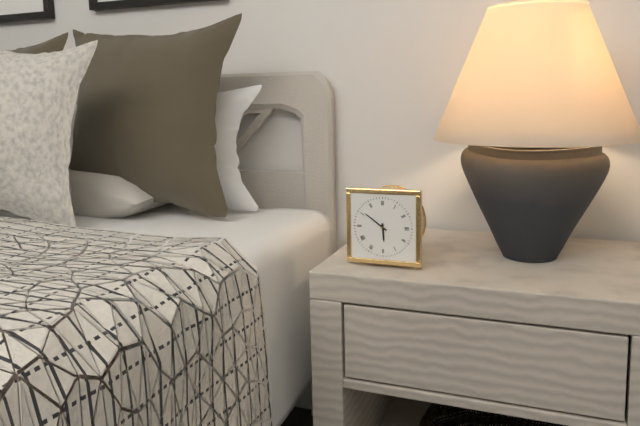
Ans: 5:51
